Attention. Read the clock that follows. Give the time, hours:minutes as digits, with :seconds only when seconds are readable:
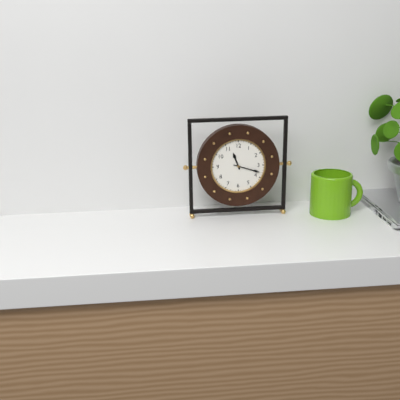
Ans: 11:18
